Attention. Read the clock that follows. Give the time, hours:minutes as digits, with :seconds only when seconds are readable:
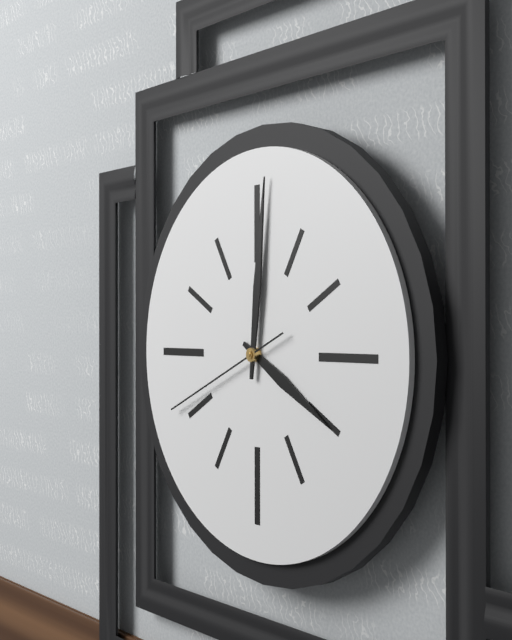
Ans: 4:01:41
